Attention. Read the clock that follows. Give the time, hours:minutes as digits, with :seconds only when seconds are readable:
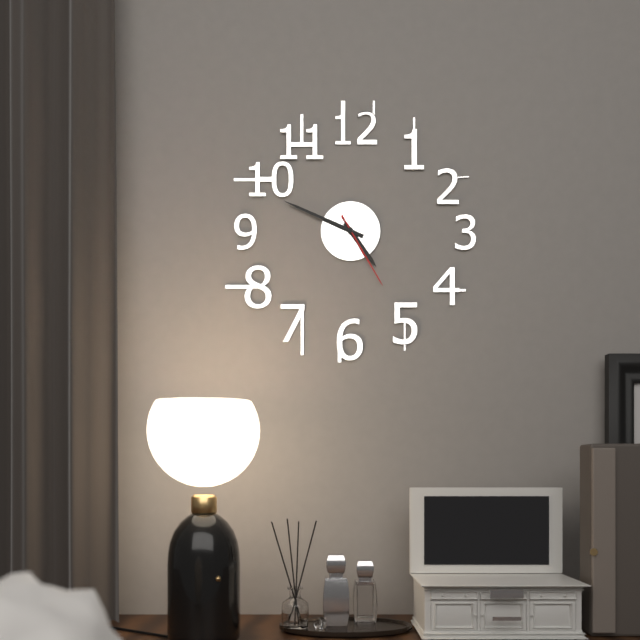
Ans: 4:49:25
